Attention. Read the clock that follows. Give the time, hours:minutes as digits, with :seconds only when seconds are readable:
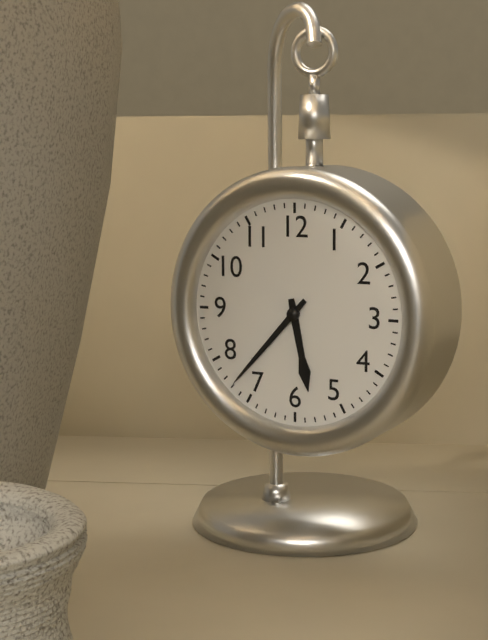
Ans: 5:37
